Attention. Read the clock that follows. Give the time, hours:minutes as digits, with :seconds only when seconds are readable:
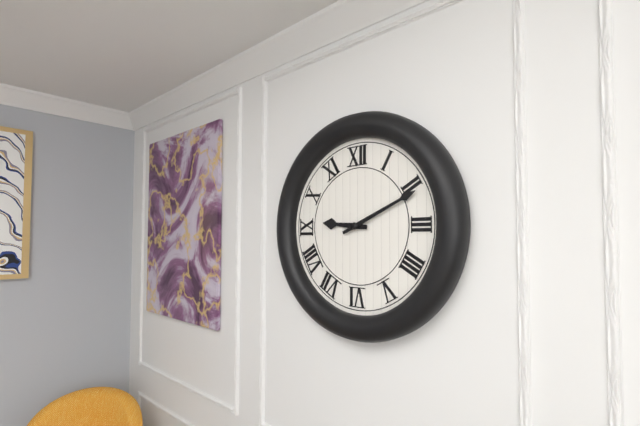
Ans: 9:11
